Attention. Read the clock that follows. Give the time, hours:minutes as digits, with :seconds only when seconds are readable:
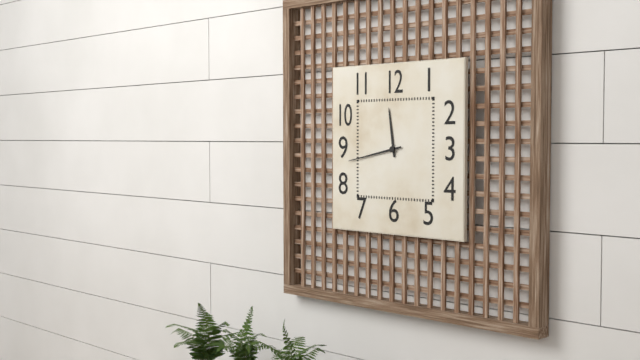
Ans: 11:43
